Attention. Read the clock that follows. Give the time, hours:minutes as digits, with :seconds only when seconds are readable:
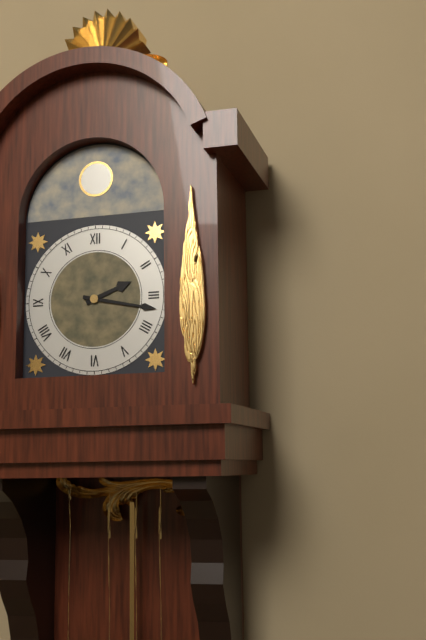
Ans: 2:17
